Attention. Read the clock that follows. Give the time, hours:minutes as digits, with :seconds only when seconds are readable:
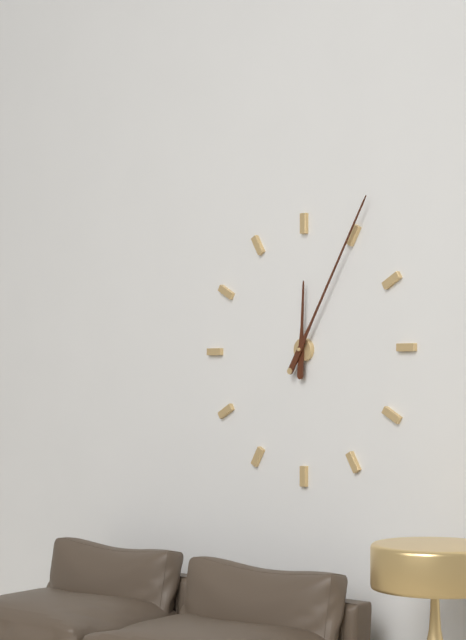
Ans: 12:05
